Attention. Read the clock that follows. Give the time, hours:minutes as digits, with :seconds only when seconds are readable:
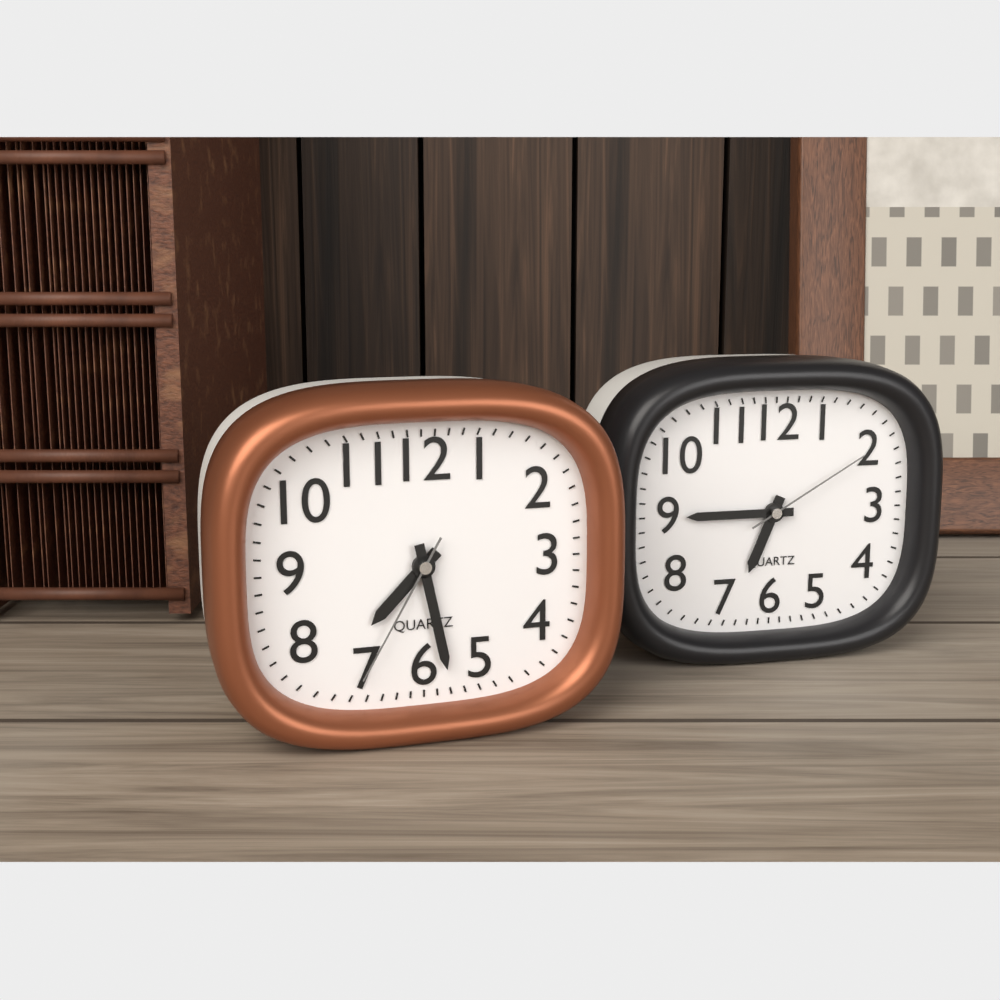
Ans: 7:28:35
